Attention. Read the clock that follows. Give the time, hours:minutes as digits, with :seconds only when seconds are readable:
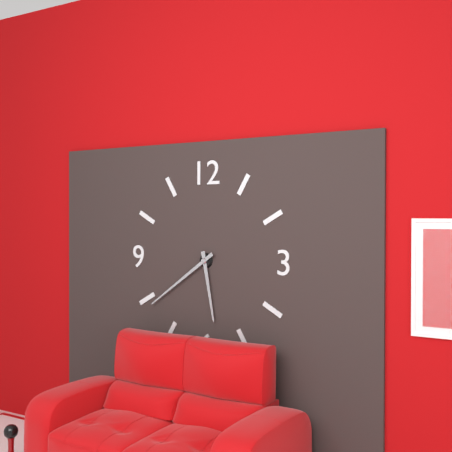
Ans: 5:39
